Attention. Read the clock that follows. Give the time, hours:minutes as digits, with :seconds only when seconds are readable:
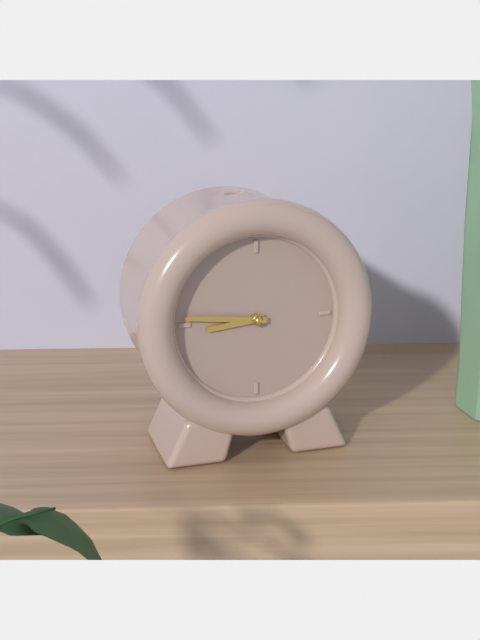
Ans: 8:46
